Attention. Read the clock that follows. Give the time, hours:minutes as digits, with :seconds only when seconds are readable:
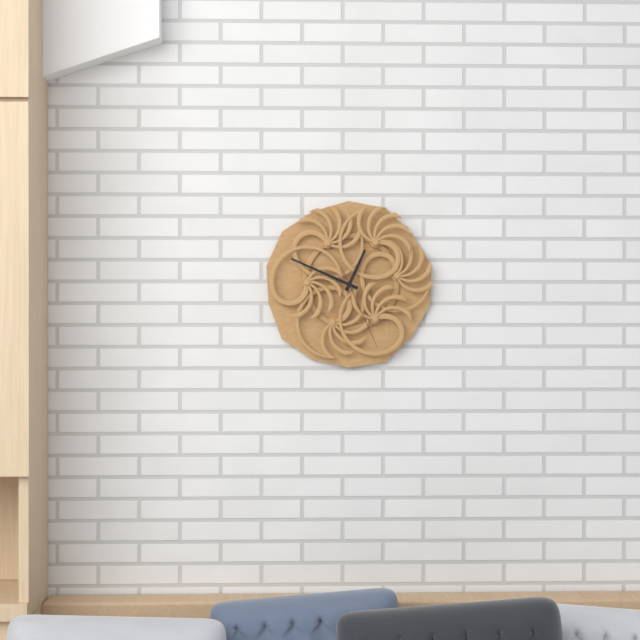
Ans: 12:49:26
